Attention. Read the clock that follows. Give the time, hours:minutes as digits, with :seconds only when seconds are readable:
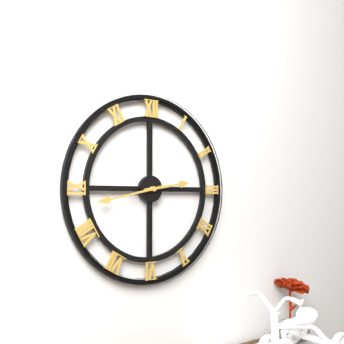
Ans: 2:43
